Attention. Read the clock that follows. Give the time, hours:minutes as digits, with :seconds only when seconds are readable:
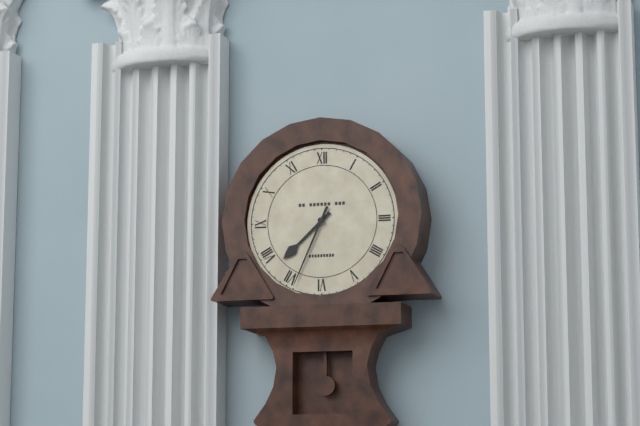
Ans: 7:34
